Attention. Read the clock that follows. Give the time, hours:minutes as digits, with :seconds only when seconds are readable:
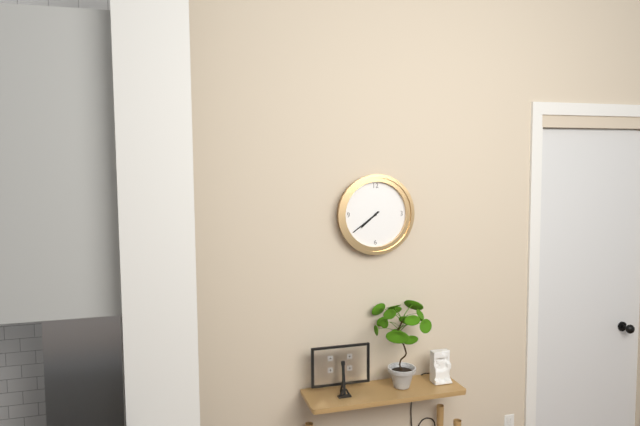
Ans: 7:39
